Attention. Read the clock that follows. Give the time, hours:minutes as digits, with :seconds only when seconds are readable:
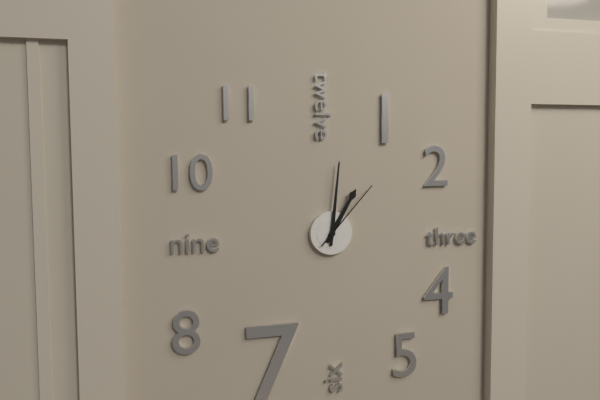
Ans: 1:01:07
